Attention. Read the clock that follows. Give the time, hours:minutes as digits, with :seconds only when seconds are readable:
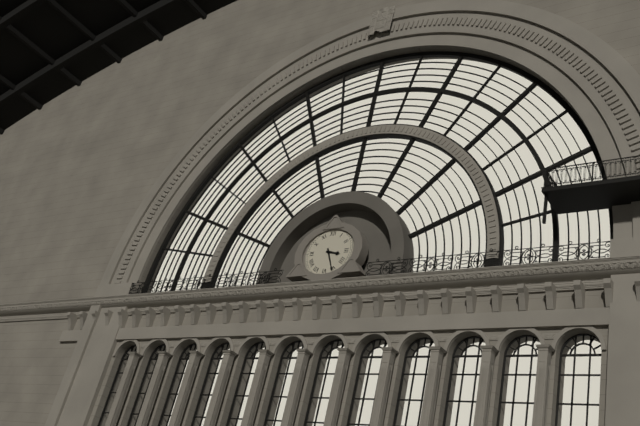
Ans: 3:26
